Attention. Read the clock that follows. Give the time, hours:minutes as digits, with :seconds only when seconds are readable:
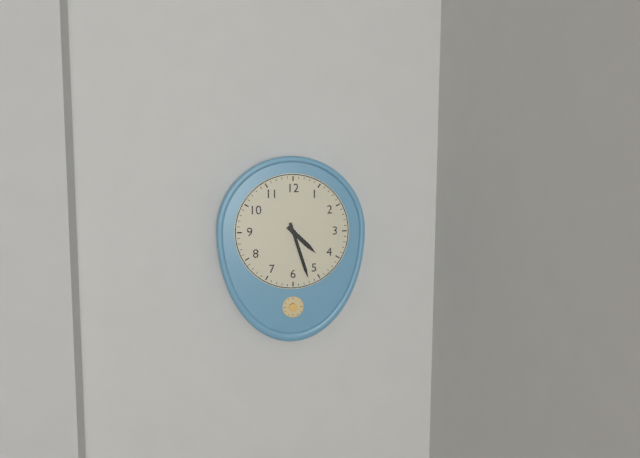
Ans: 4:27
